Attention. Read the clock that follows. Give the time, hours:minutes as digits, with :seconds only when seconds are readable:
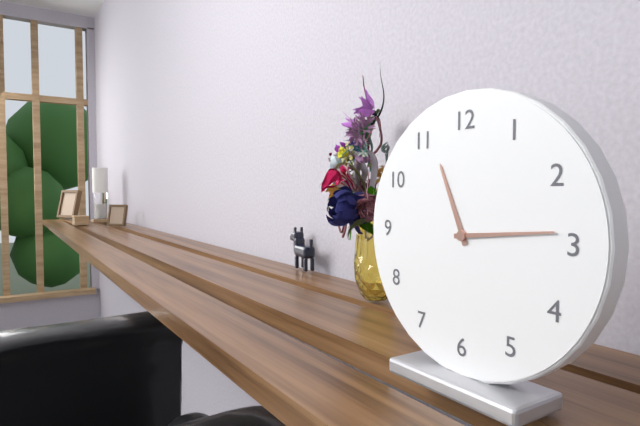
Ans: 11:14
